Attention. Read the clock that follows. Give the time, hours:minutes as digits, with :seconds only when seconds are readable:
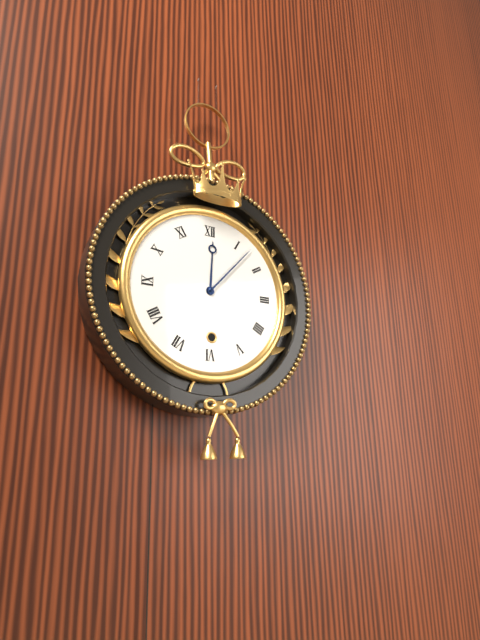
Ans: 12:07
